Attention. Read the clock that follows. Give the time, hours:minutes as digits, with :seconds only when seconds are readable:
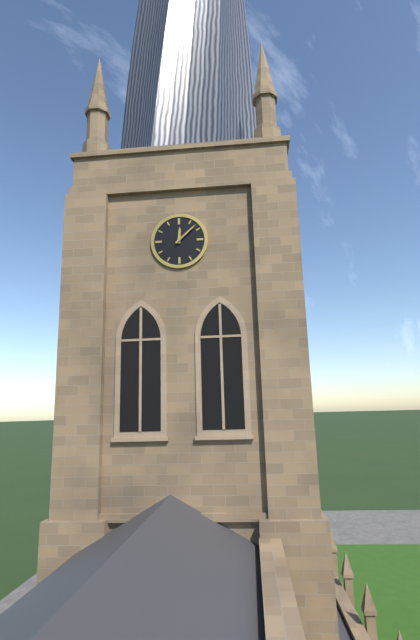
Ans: 12:08
